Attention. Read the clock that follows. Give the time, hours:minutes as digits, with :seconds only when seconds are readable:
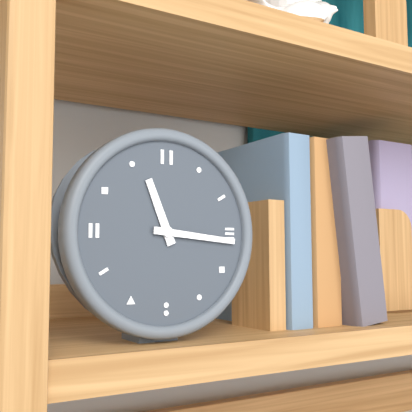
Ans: 11:16
